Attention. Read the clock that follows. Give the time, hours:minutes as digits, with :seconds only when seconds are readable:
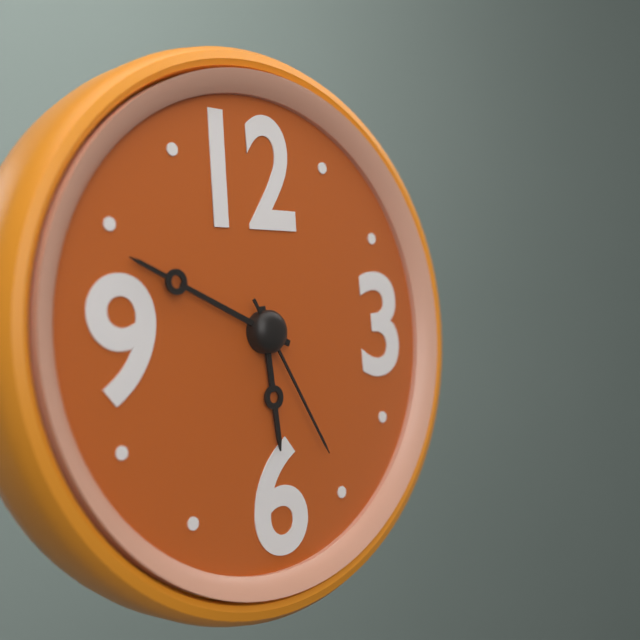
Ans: 5:49:25
